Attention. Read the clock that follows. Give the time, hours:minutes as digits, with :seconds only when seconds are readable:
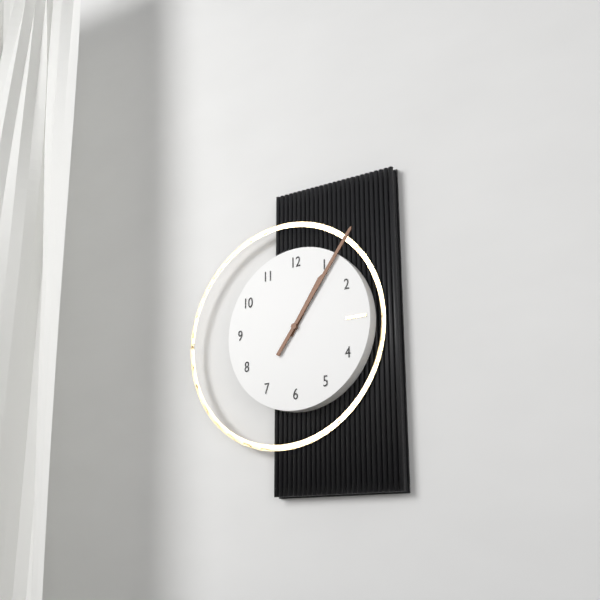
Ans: 1:06
